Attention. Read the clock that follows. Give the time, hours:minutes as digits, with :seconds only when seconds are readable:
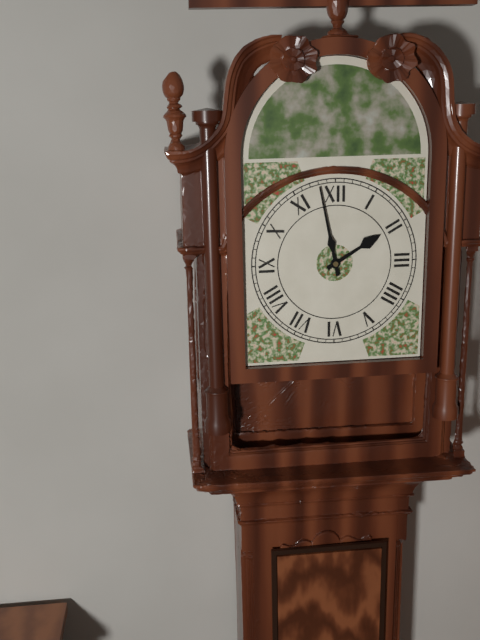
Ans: 1:58
